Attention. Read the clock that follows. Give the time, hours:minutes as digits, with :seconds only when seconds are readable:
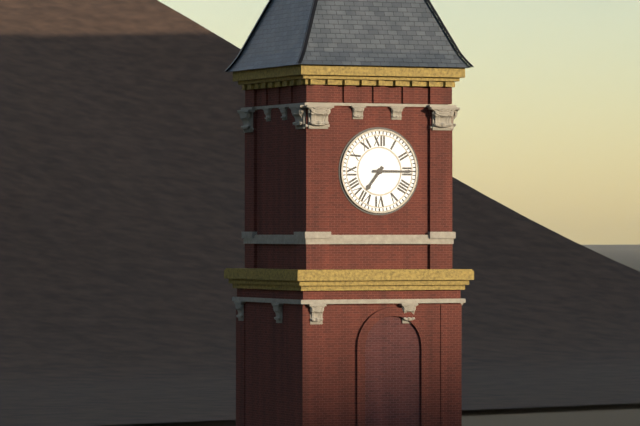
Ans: 7:15
